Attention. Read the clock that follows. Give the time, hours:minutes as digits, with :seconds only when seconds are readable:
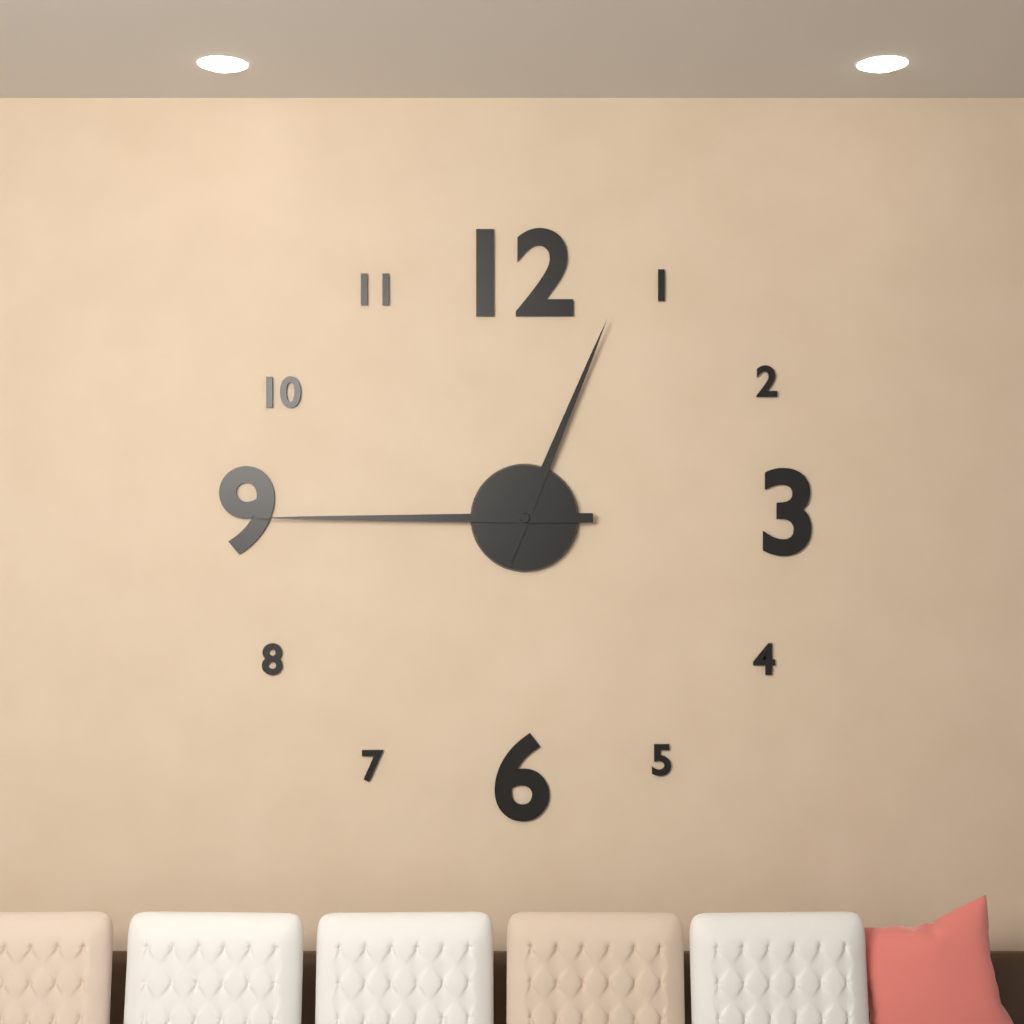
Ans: 12:45
